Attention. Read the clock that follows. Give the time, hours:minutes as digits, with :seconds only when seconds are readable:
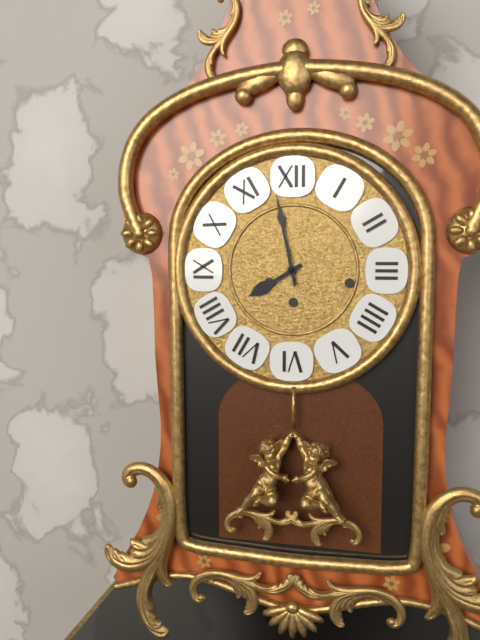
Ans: 7:58
